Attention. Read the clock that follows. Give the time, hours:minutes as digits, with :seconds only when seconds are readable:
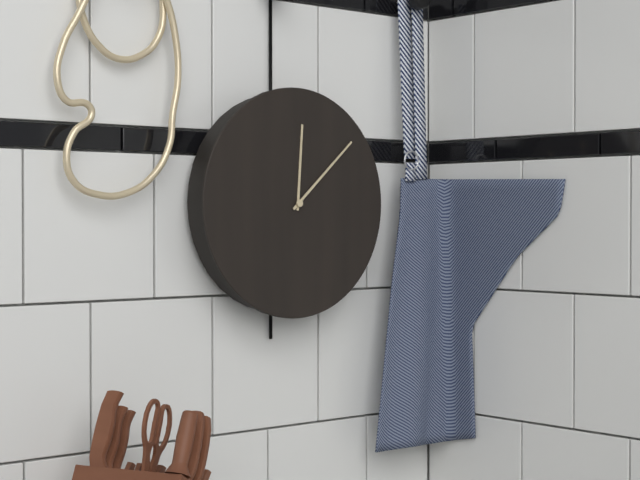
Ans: 12:08
